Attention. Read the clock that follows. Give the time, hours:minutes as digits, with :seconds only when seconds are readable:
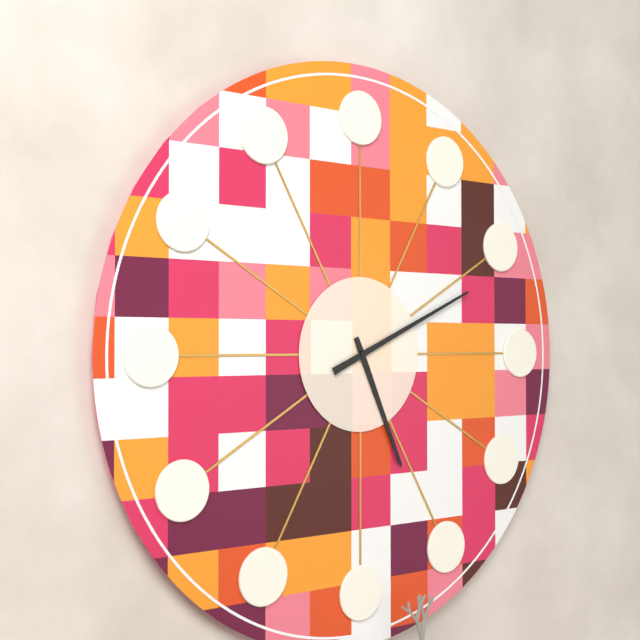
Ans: 5:11
